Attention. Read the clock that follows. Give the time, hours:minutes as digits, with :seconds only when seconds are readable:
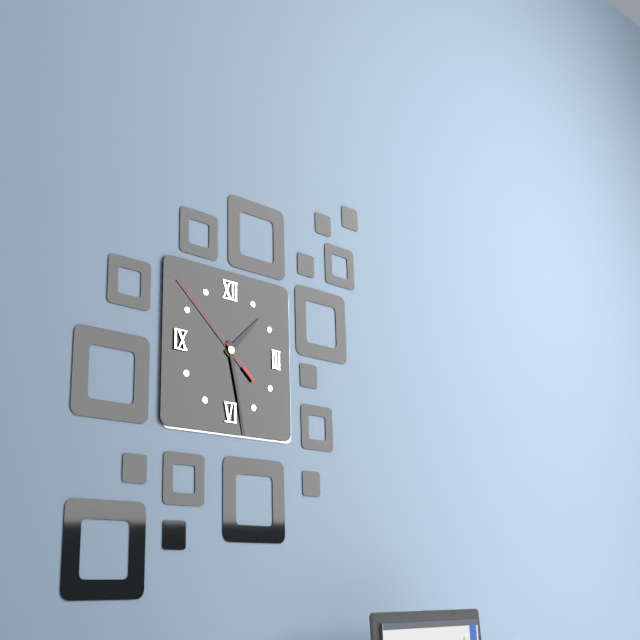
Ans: 1:28:52
